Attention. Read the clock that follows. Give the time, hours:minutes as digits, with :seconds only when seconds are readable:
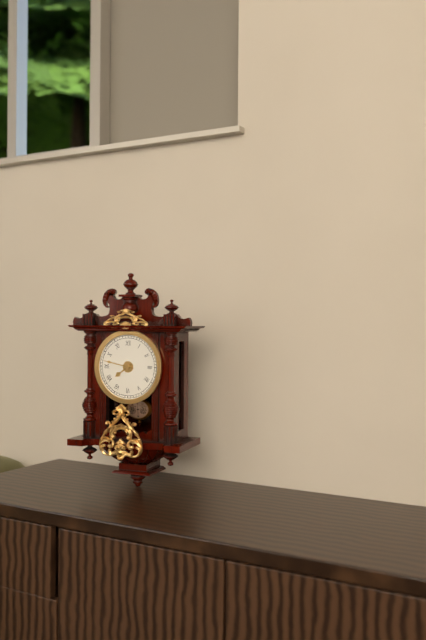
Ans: 7:47
